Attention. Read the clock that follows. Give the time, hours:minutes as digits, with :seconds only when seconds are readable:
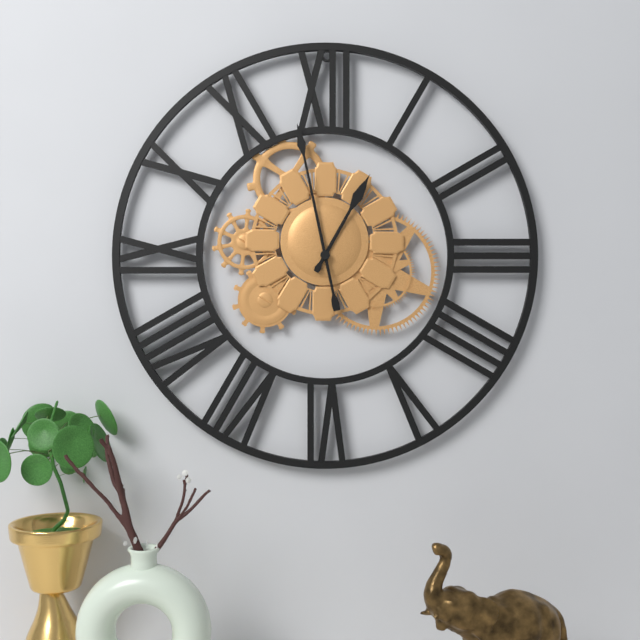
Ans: 12:58
